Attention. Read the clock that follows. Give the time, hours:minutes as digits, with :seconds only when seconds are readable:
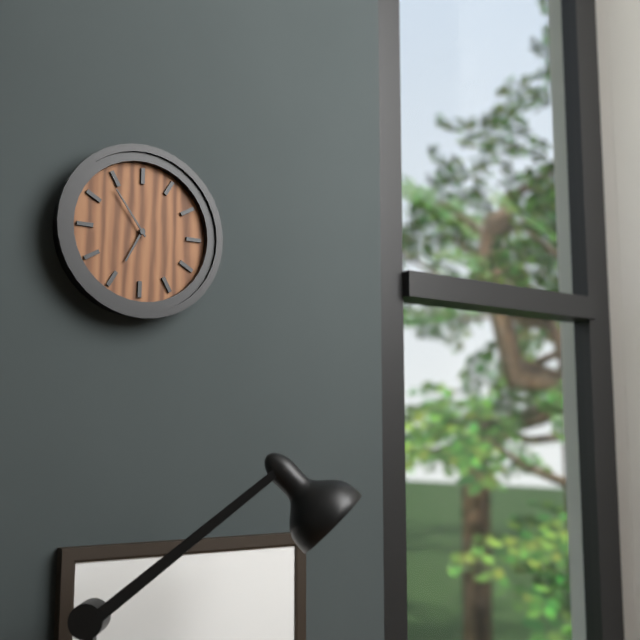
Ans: 6:54
